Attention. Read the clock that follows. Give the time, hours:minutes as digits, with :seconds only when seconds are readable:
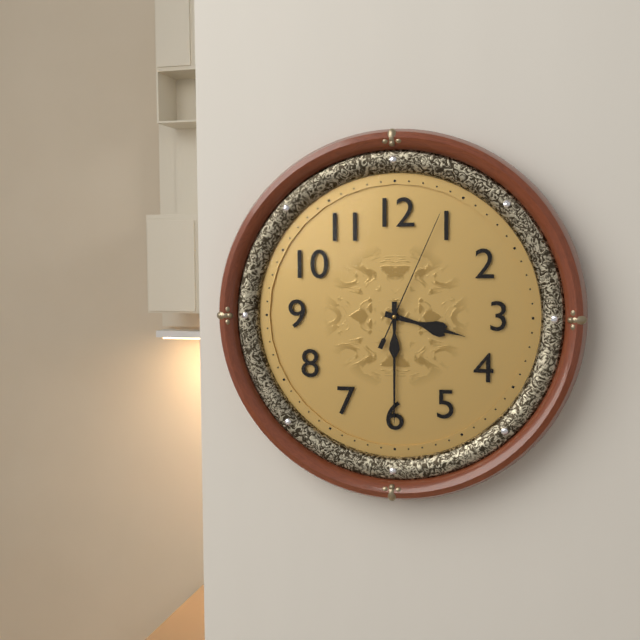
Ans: 3:30:04
